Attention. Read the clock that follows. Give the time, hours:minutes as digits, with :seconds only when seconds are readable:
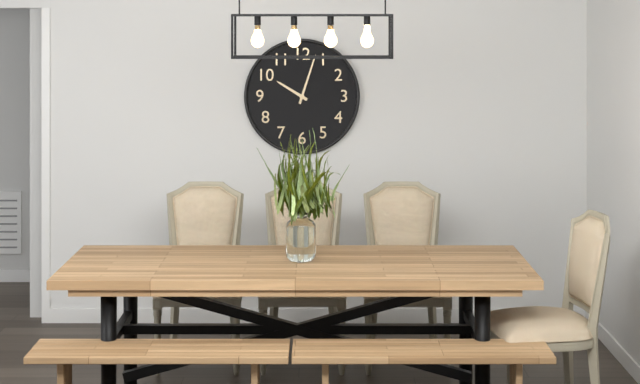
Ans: 10:03
